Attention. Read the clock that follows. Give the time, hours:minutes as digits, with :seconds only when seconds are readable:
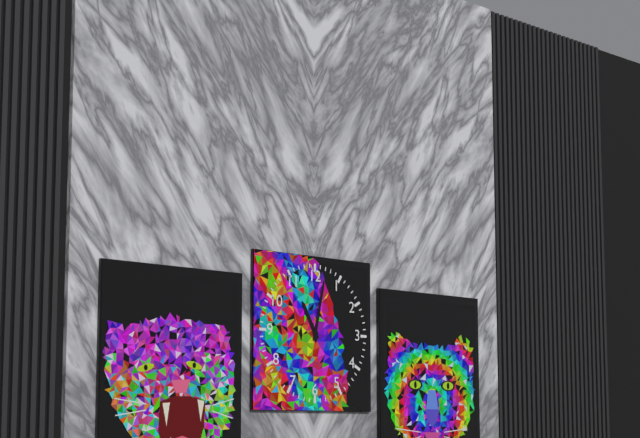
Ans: 11:02
